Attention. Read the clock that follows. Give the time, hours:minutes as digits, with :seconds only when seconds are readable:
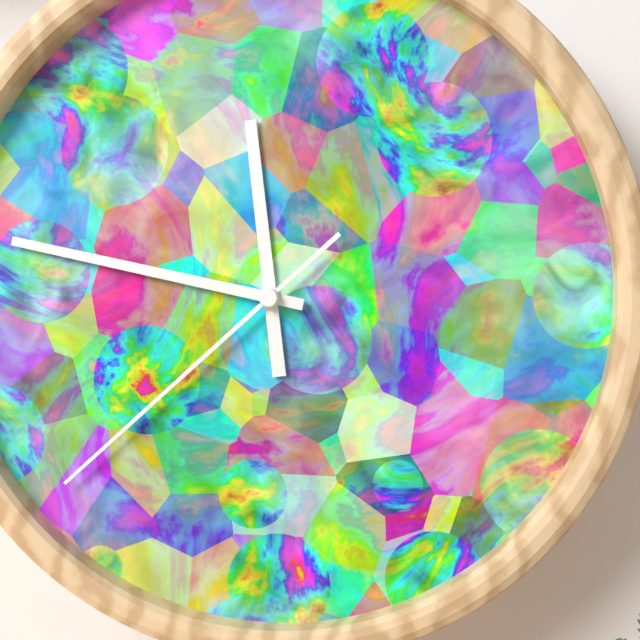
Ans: 11:47:38
